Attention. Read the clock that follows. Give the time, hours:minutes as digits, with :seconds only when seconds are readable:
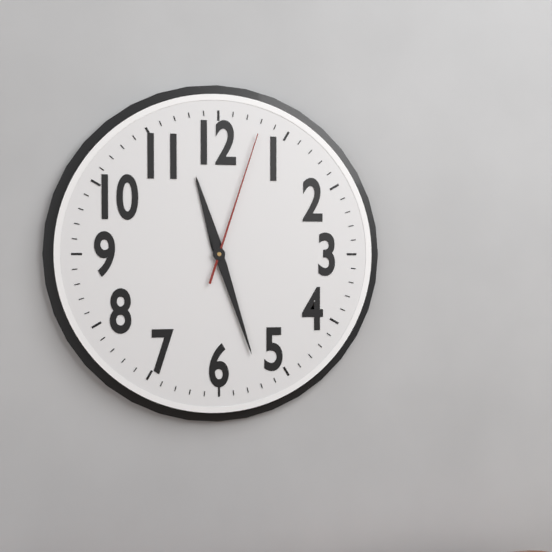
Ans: 11:27:03
